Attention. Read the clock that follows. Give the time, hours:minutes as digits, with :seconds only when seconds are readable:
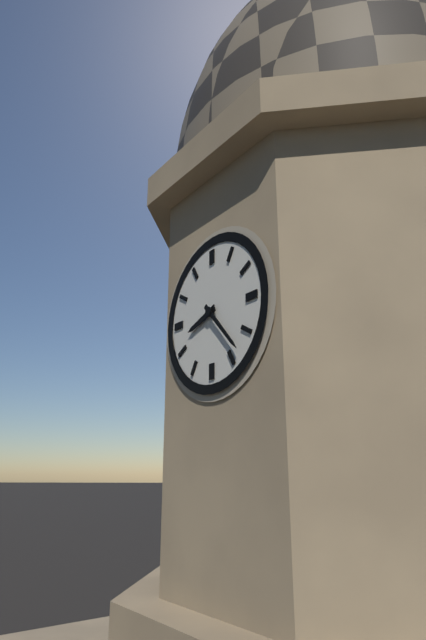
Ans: 8:23
